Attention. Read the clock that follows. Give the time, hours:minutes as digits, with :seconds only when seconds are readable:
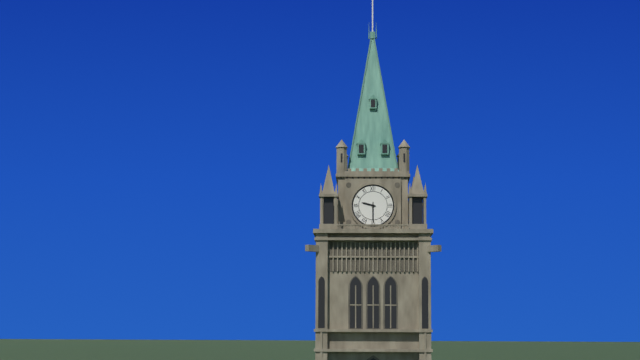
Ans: 9:30
